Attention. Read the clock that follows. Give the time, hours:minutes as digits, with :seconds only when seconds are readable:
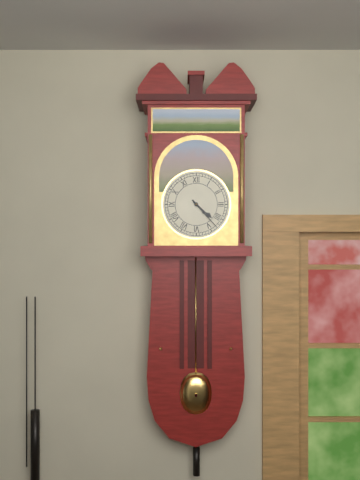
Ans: 4:23
